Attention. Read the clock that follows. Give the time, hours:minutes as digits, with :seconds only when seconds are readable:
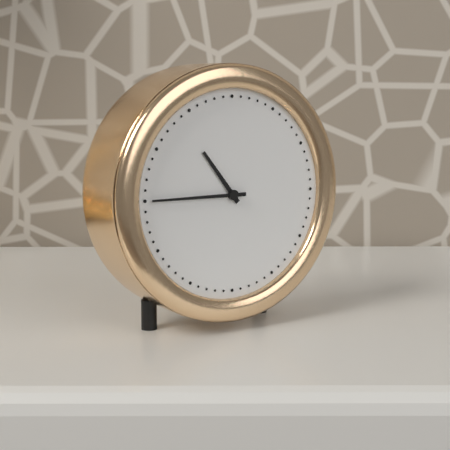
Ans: 10:45
